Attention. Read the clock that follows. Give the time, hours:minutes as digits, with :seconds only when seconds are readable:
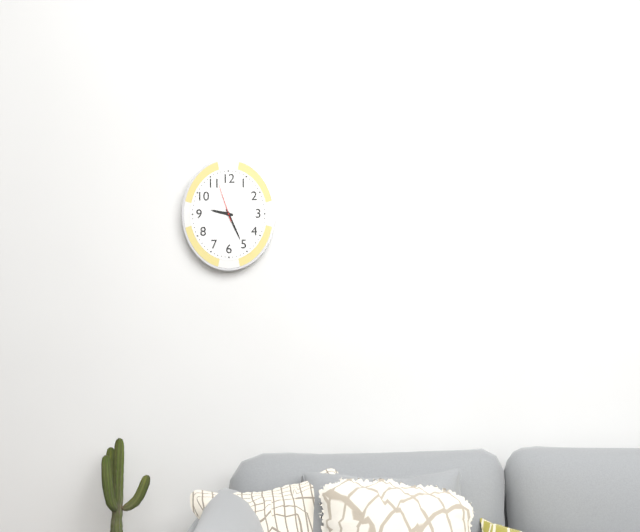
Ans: 9:26
